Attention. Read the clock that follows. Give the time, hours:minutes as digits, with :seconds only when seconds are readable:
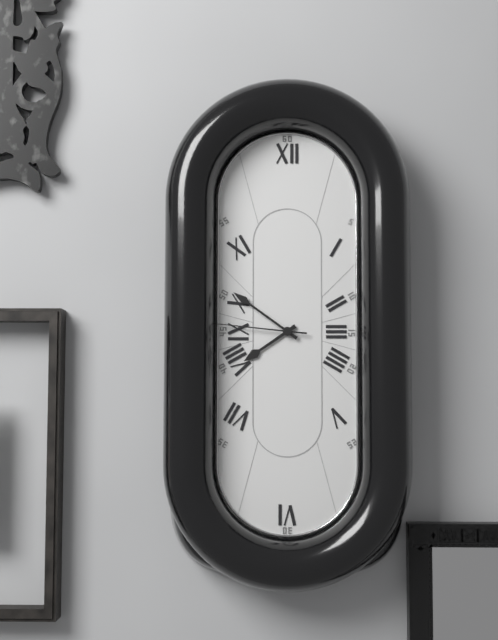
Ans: 7:51:46
